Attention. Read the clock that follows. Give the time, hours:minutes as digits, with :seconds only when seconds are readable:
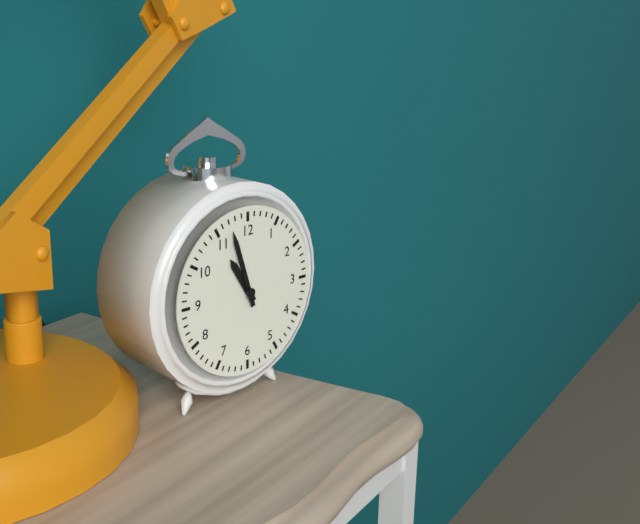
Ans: 10:57
